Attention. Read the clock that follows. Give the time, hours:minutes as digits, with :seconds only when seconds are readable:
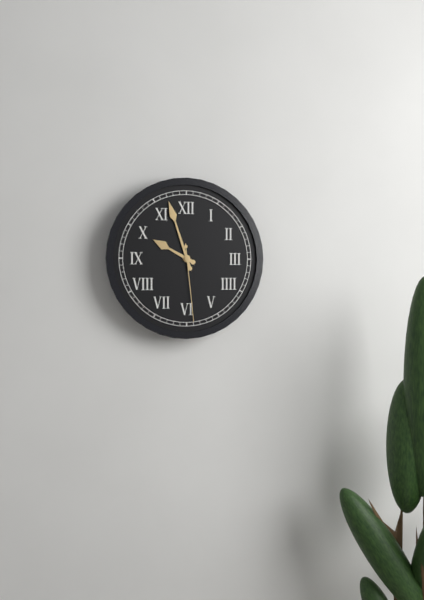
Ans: 9:57:29
